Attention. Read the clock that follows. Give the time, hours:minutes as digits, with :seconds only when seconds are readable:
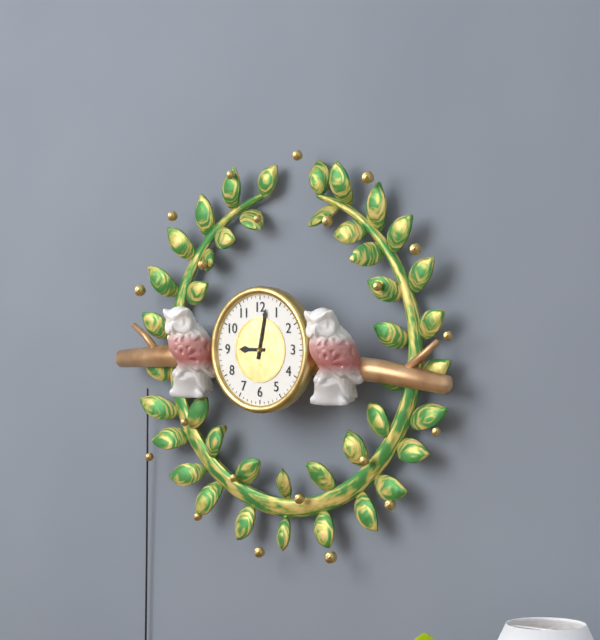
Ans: 9:02
